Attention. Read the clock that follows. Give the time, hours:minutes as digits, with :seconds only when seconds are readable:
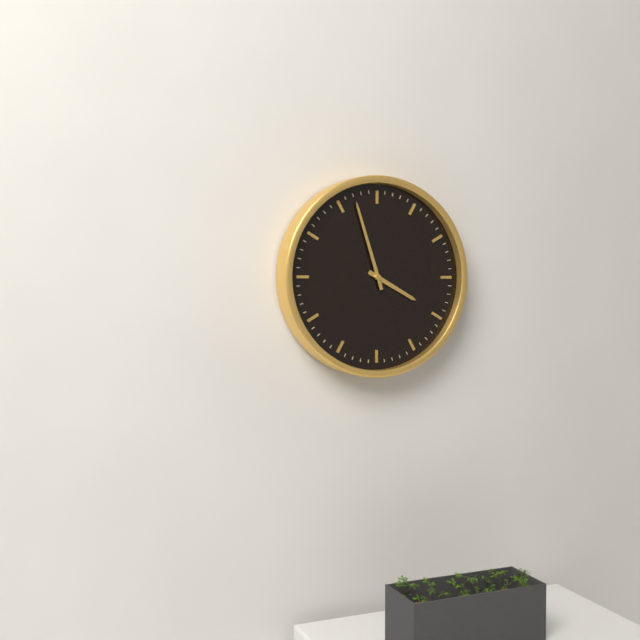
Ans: 3:57
